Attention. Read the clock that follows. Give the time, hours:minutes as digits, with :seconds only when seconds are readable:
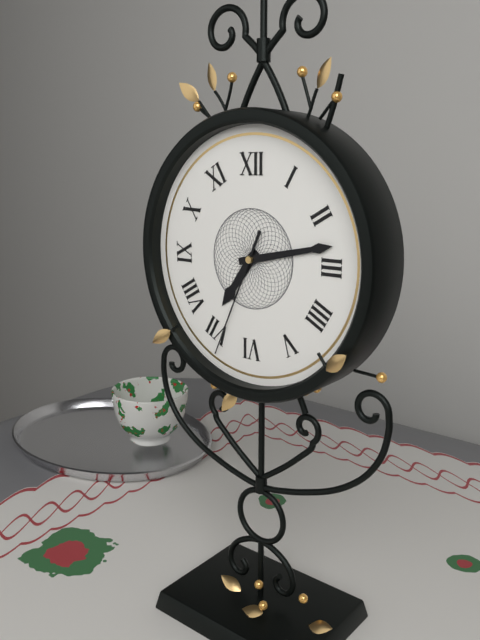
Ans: 7:13:34
